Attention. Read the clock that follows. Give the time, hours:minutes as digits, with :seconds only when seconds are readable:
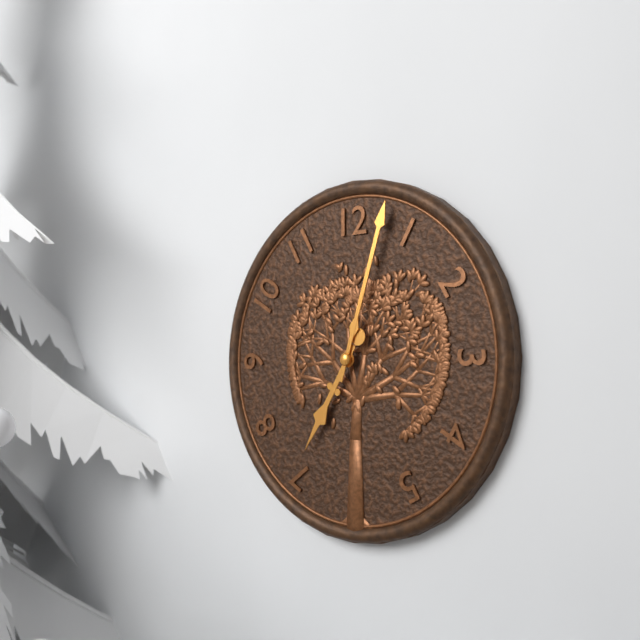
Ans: 7:03
